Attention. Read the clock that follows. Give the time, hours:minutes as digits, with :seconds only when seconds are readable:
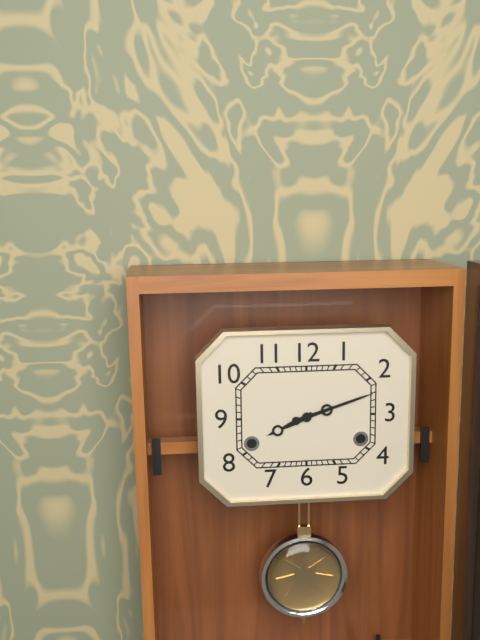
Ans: 8:12
